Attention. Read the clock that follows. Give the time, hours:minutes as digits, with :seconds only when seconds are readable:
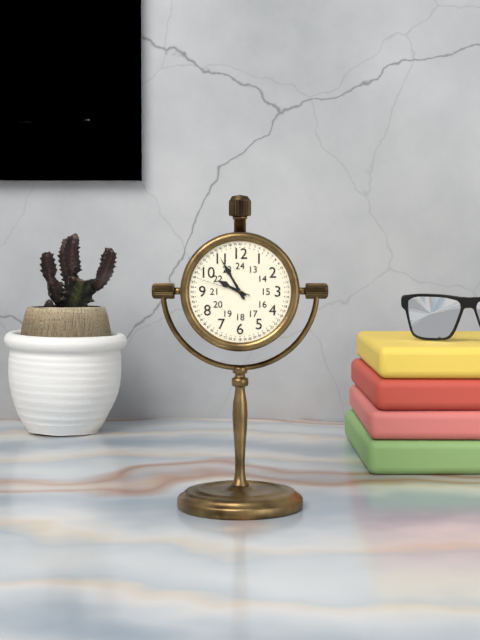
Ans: 9:55:48
